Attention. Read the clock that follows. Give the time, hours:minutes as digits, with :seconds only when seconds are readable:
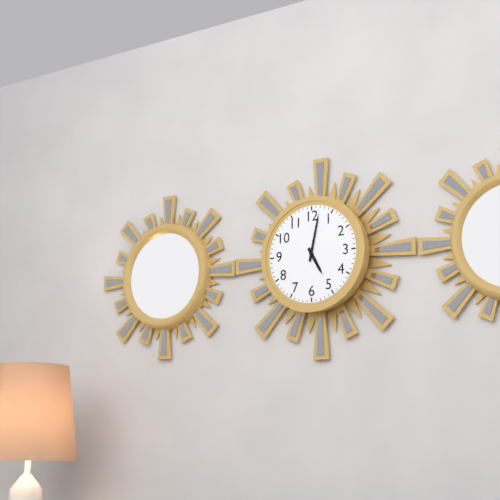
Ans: 5:02
